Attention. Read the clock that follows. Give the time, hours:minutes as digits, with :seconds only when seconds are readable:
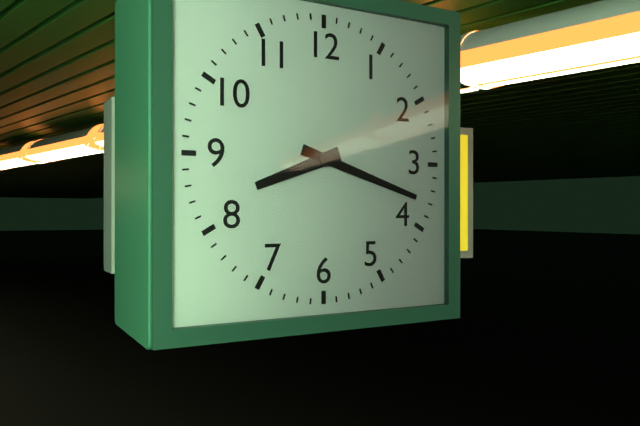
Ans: 8:18
